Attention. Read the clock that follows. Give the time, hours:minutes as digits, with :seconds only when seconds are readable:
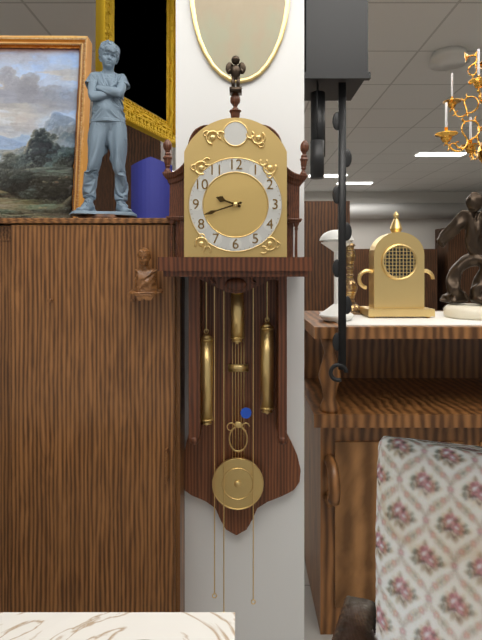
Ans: 9:42
